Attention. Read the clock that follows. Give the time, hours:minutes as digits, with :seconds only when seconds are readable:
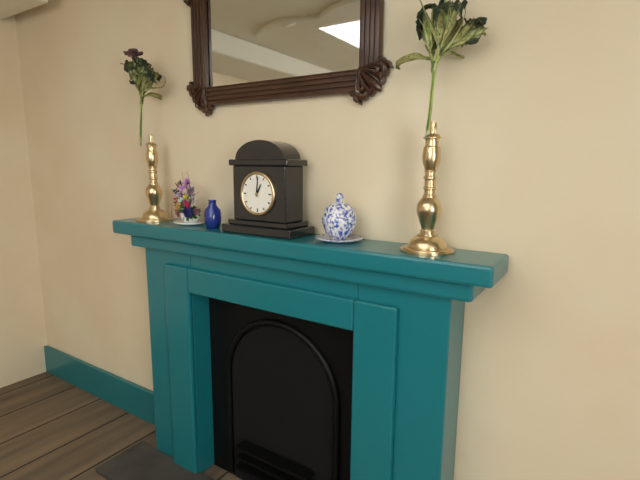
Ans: 1:01
